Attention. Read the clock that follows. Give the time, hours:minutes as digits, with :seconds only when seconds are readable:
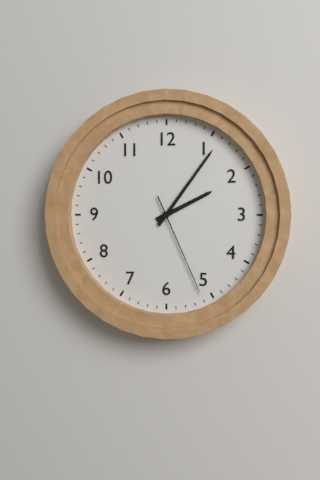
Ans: 2:06:26
